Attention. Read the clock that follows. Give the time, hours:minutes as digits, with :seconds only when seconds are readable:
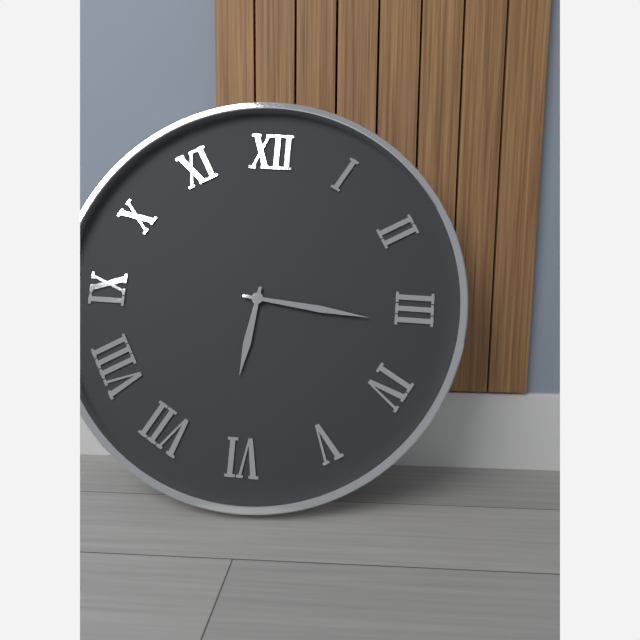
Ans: 6:16
